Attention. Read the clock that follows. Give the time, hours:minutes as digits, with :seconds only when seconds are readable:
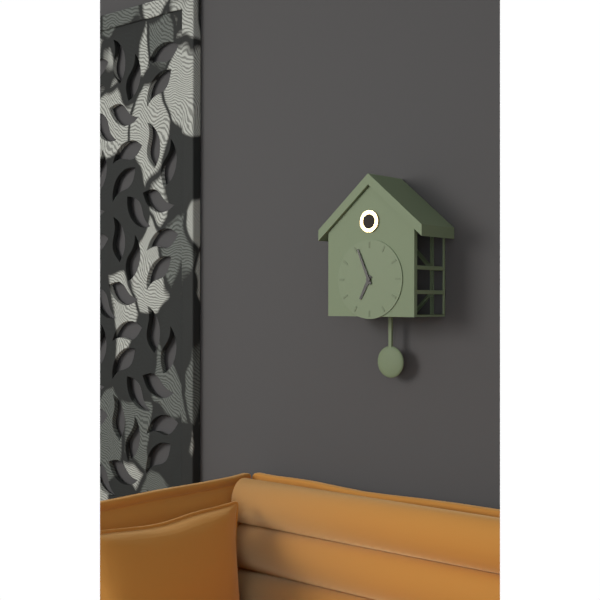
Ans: 6:56
